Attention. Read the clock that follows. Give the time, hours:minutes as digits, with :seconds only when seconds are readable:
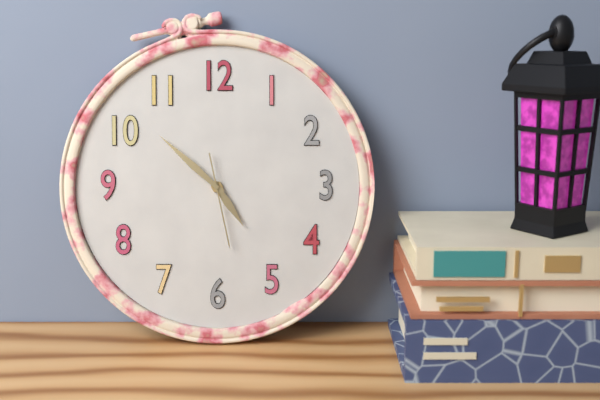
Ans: 4:52:28
